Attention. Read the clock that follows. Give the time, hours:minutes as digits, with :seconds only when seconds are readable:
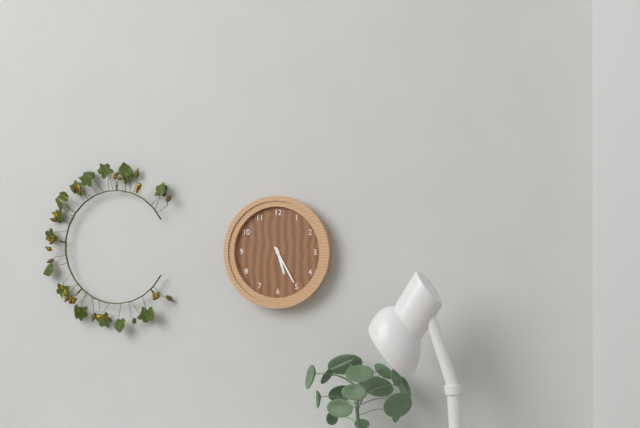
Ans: 5:25
